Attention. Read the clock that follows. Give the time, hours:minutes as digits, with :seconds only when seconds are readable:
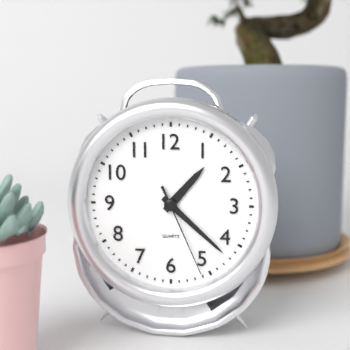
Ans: 1:22:26
